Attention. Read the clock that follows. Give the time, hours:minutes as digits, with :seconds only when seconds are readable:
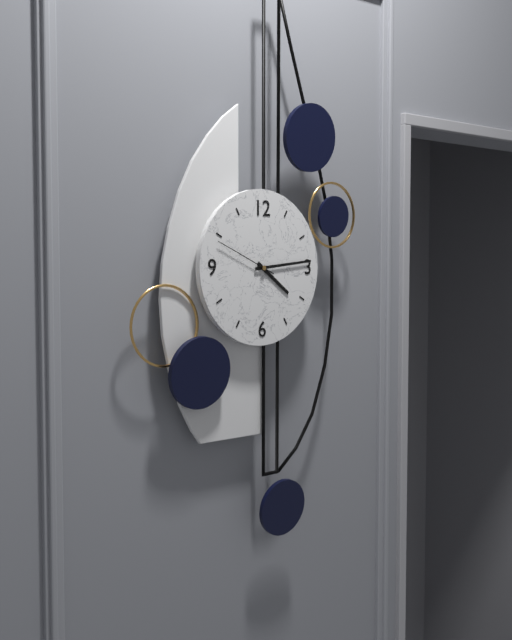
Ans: 4:14
